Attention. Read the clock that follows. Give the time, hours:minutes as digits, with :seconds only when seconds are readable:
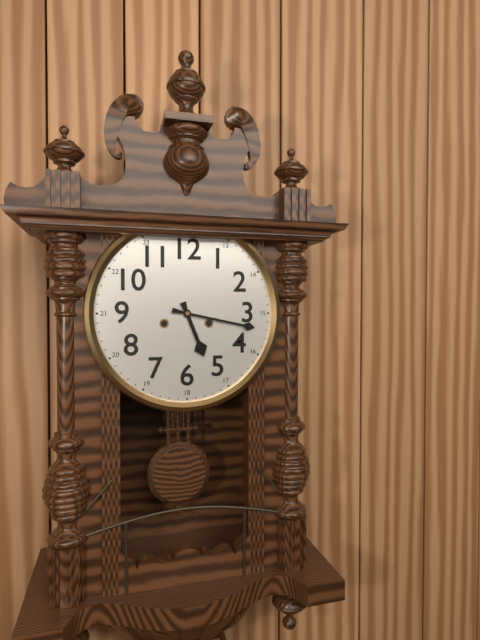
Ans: 5:17
